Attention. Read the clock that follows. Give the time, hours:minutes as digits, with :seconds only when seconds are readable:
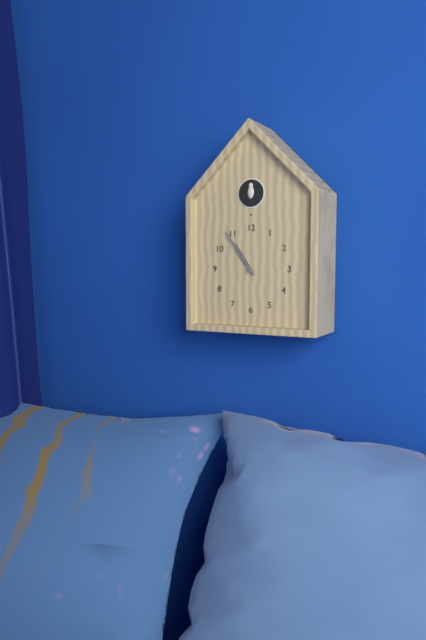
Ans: 10:54
